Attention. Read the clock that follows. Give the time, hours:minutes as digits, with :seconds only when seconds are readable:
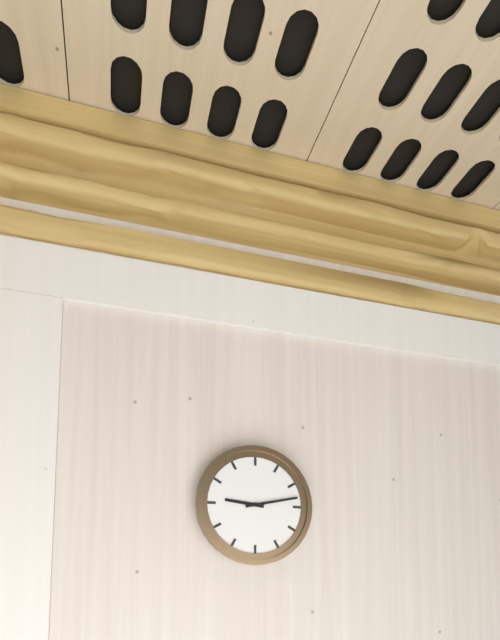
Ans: 9:13
